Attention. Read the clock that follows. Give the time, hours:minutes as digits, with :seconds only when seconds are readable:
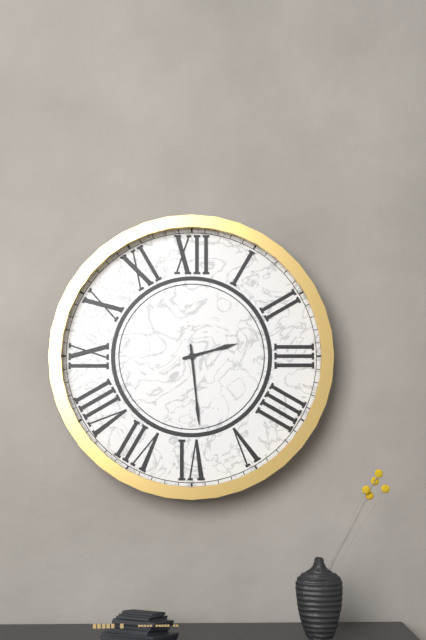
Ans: 2:29
